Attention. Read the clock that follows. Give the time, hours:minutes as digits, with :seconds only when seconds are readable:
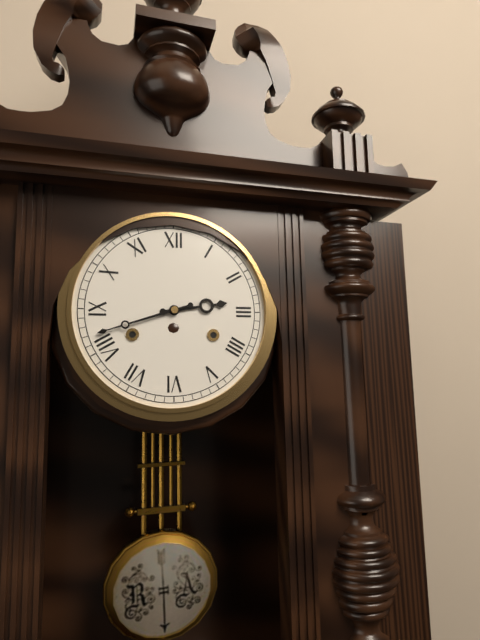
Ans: 2:42
